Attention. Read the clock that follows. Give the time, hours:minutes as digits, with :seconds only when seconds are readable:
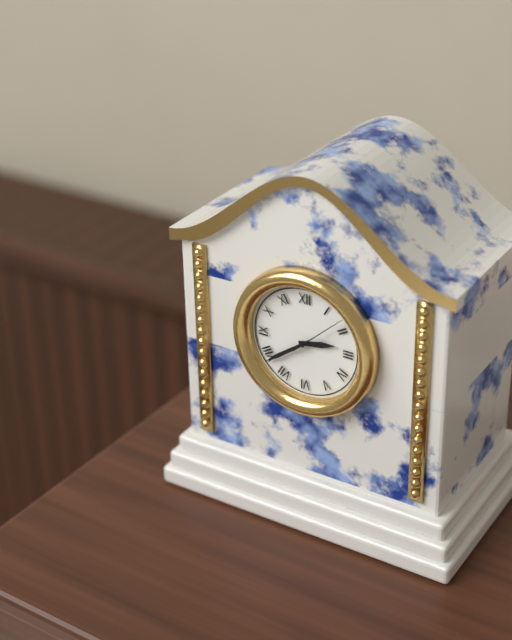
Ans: 2:39
